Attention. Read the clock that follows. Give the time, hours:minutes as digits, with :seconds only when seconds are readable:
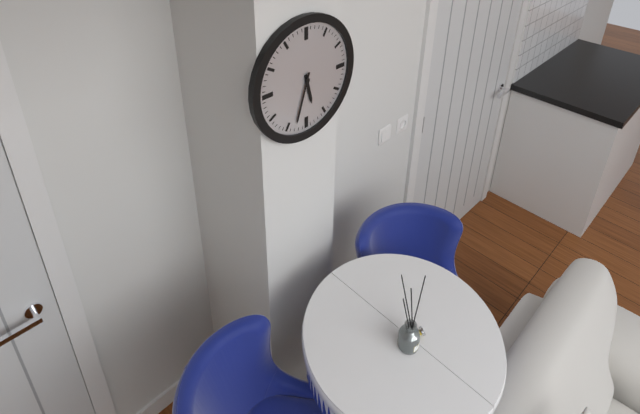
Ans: 5:33
